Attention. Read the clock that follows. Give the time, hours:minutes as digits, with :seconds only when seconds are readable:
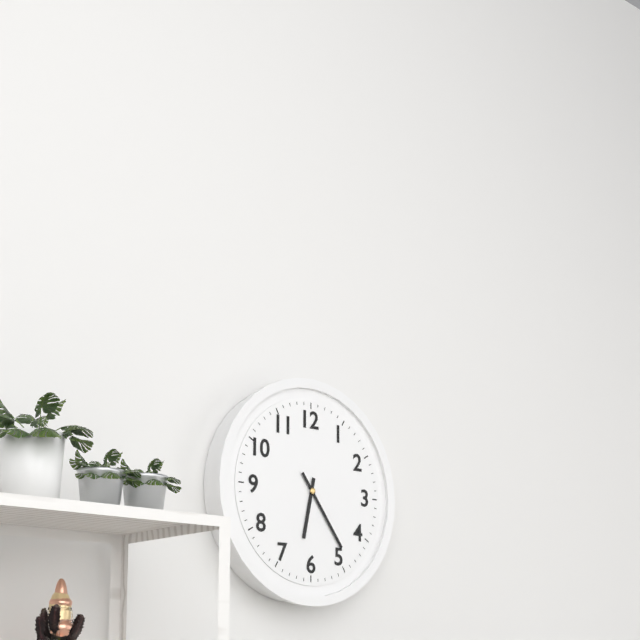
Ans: 6:24
